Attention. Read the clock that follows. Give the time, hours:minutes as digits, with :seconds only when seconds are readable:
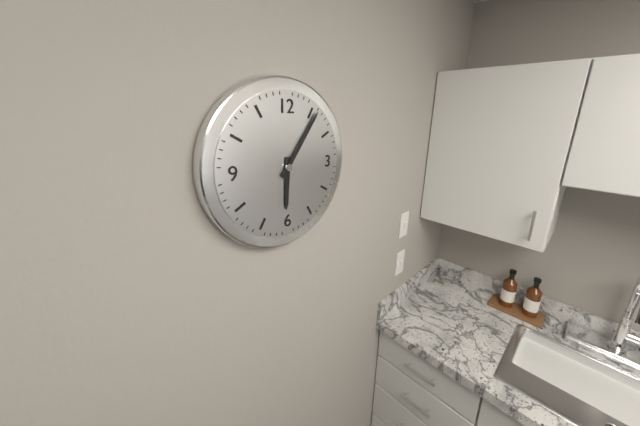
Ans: 6:06
